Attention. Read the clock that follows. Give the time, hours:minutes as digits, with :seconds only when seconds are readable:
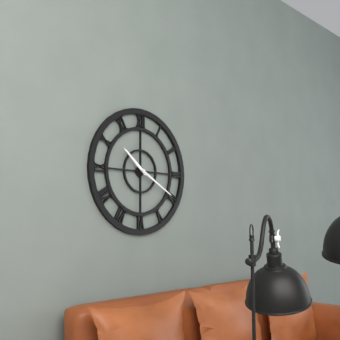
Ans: 10:20
